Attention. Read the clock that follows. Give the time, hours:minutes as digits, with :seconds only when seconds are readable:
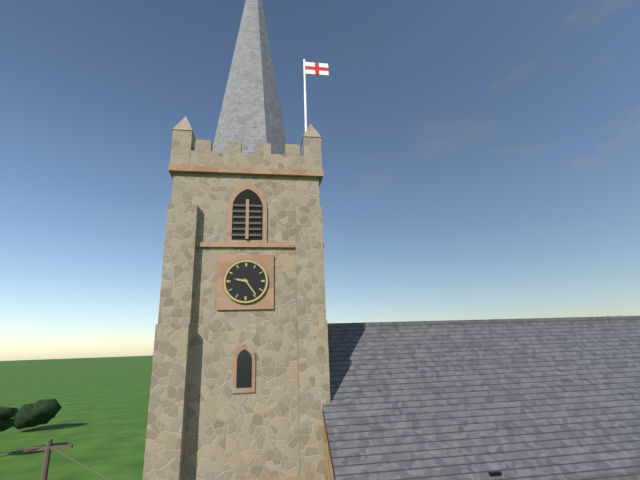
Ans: 9:24
